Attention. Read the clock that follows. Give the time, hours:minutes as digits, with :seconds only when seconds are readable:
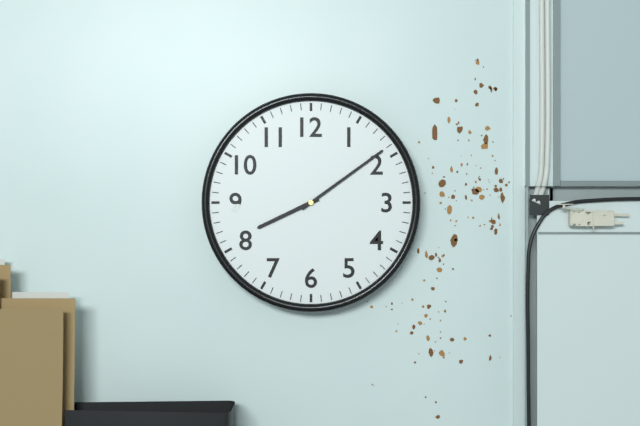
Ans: 8:09
